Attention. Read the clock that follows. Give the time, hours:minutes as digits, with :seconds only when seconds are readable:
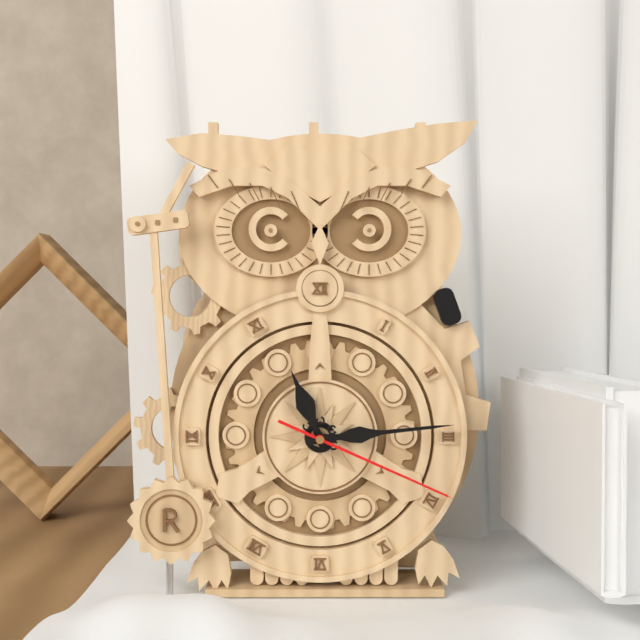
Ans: 11:14:19
